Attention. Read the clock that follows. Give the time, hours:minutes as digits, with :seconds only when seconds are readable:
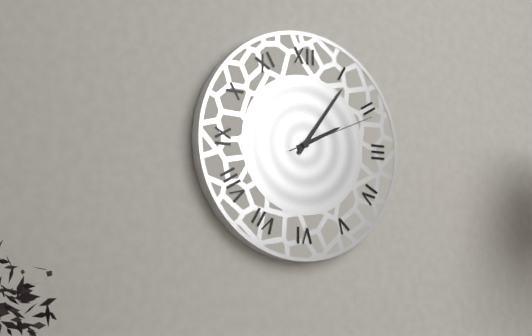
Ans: 2:06:11
